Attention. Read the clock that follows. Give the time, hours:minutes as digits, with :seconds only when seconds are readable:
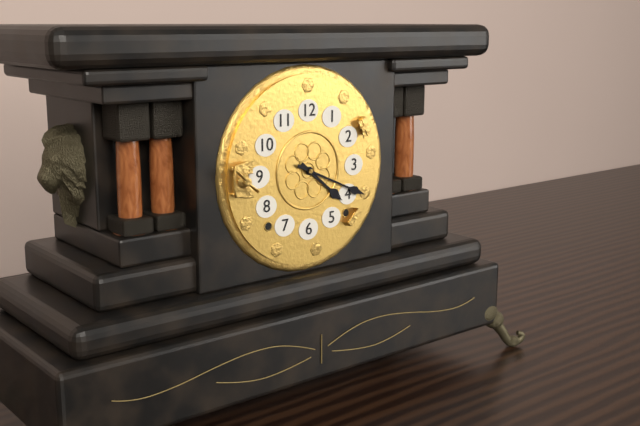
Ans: 4:19
